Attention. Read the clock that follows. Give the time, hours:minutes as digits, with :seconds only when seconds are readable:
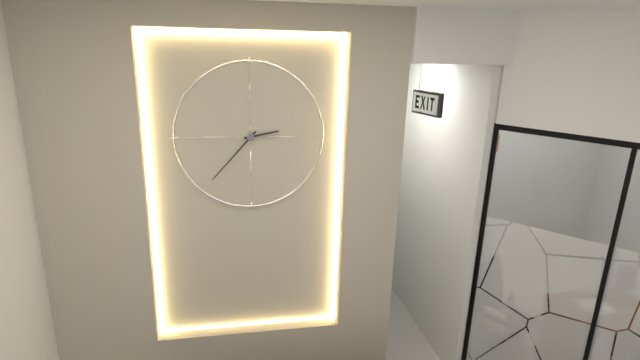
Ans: 2:37
